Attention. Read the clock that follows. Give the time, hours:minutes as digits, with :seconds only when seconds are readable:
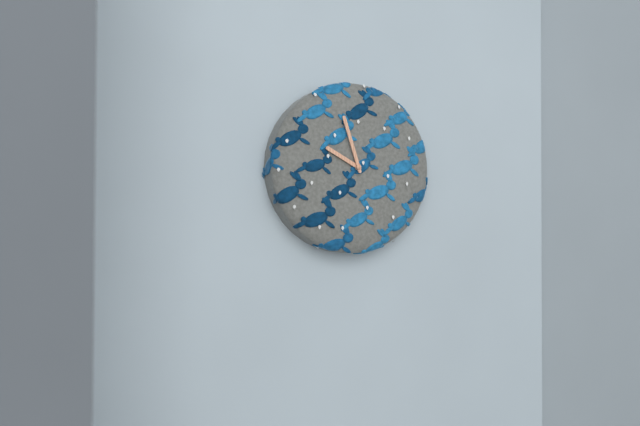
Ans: 9:57
